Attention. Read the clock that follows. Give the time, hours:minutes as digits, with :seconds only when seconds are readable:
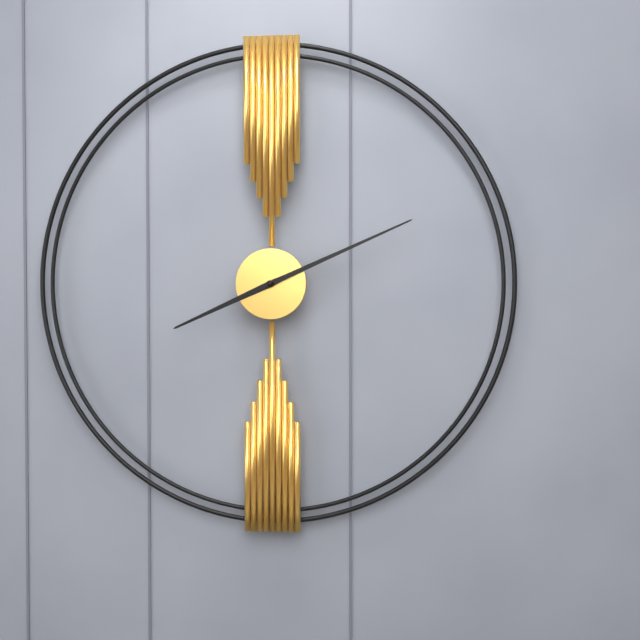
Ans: 8:11
